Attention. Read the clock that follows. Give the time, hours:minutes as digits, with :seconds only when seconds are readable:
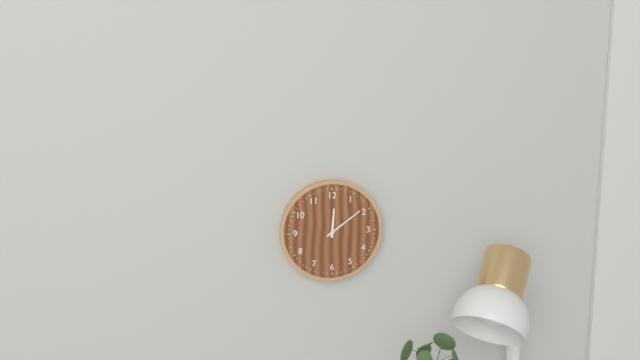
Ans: 12:09
